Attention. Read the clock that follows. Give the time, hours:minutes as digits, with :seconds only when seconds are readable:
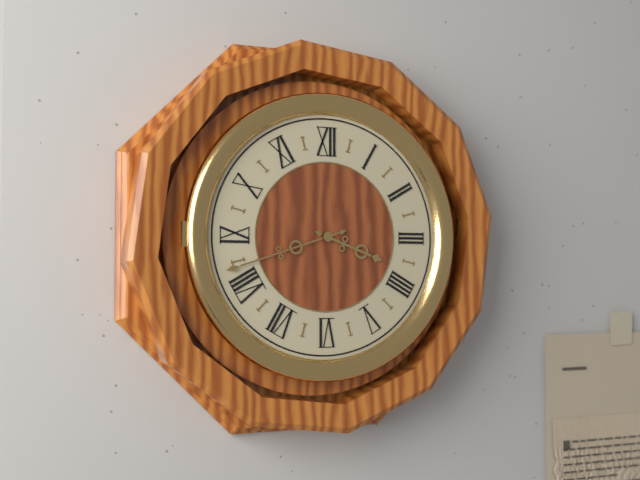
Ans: 3:42
